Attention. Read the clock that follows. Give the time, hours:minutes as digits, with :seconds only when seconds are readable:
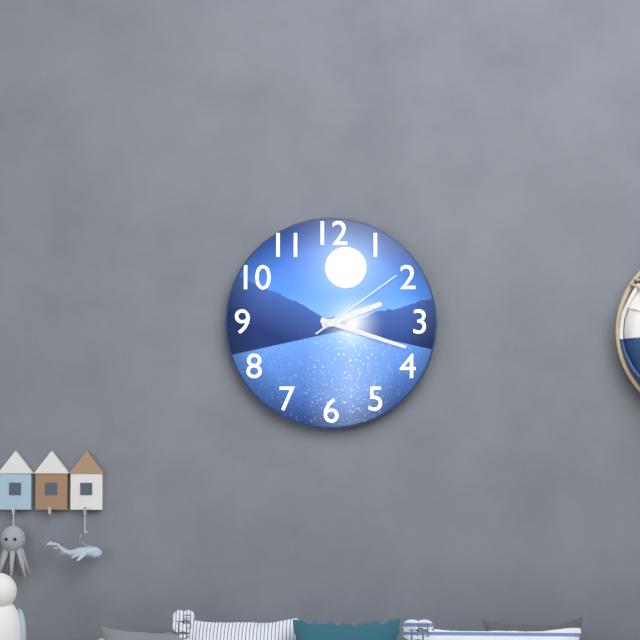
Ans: 2:18:09
